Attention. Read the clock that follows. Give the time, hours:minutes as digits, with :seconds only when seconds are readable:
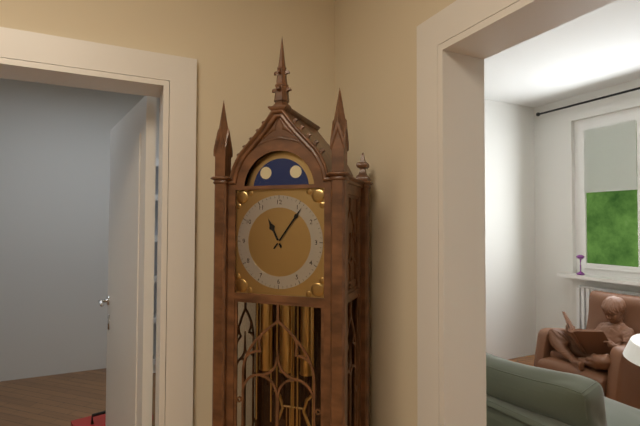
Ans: 11:06
